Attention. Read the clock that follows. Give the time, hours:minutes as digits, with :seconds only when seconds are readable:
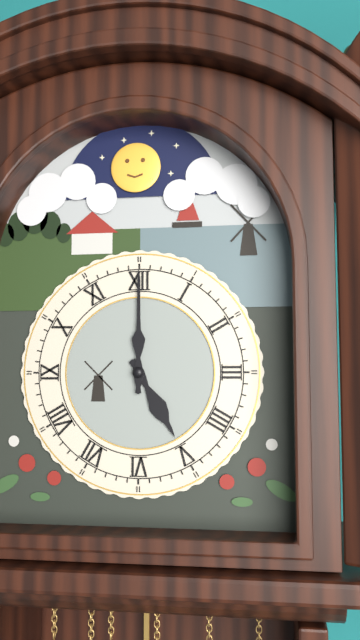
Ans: 5:00
